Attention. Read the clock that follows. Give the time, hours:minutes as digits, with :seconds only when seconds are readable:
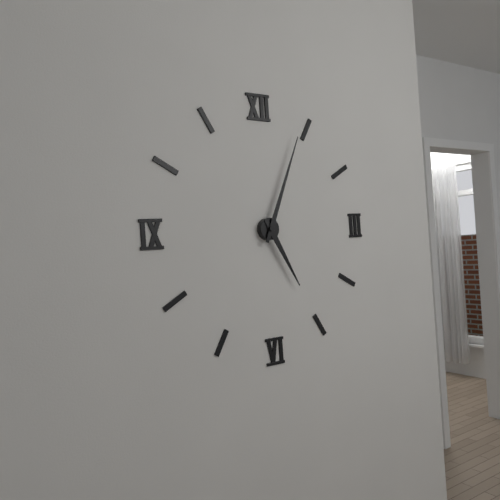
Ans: 5:04
